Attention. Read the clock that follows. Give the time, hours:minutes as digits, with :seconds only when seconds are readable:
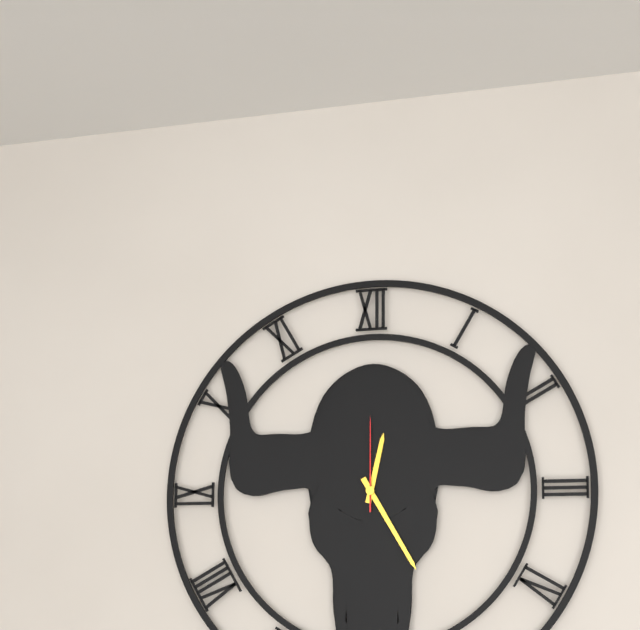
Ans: 12:25:00
